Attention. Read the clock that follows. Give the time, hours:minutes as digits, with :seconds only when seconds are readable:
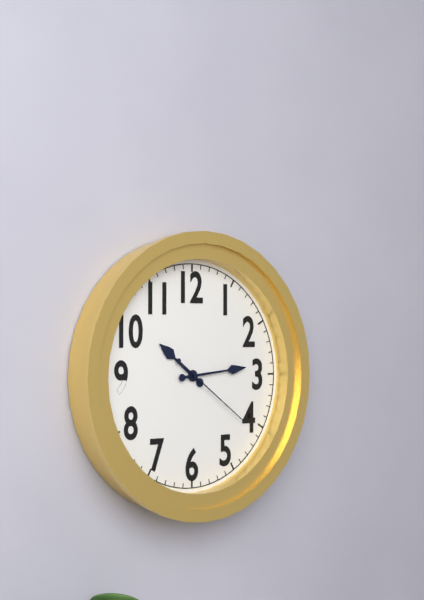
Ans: 10:14:21
